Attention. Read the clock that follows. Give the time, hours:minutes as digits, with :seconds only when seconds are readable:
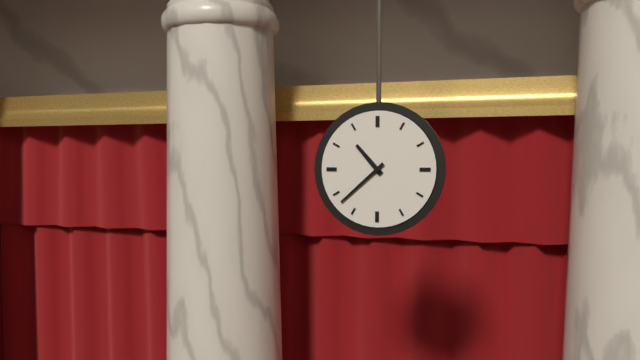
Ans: 10:38
